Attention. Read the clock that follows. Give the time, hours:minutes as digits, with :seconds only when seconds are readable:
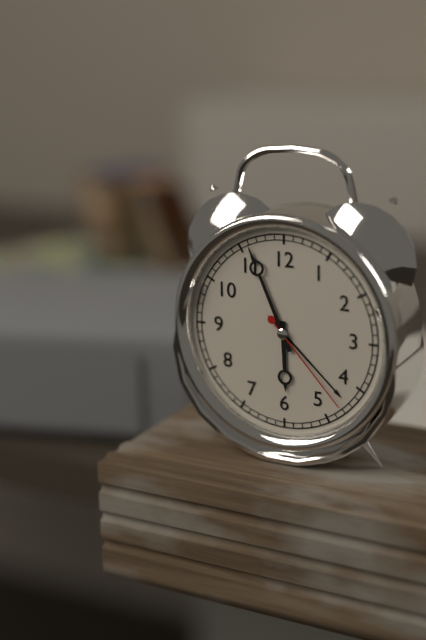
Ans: 5:56:23
